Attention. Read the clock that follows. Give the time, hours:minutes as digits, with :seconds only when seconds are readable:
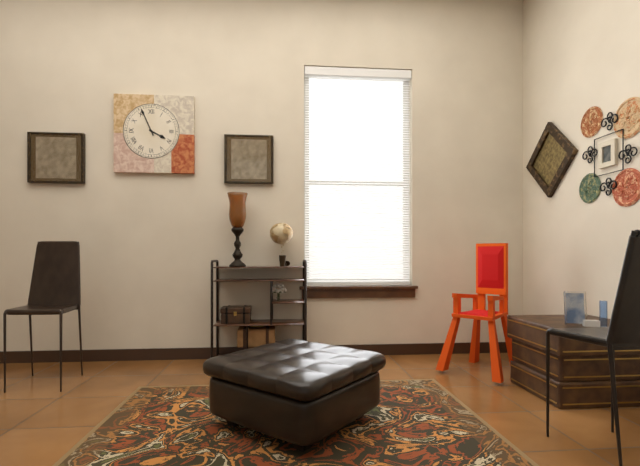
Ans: 3:56
